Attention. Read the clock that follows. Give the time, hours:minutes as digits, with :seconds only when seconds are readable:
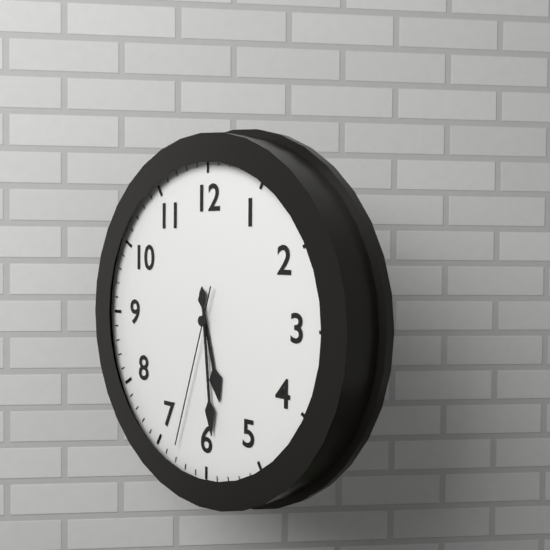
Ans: 5:29:33
